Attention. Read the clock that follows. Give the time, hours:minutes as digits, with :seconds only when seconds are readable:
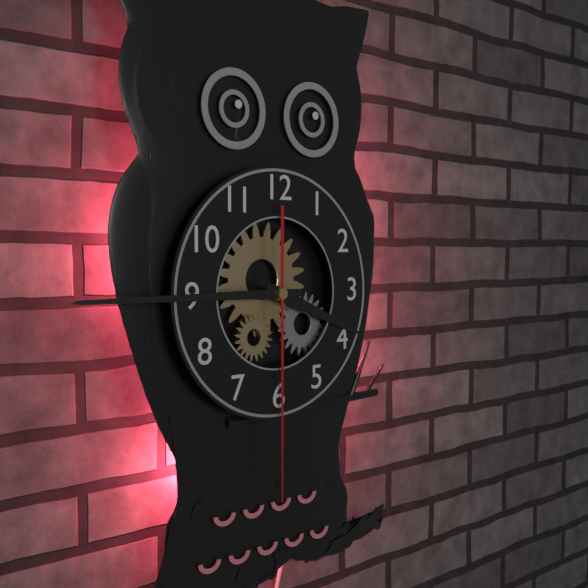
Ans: 3:45:30
